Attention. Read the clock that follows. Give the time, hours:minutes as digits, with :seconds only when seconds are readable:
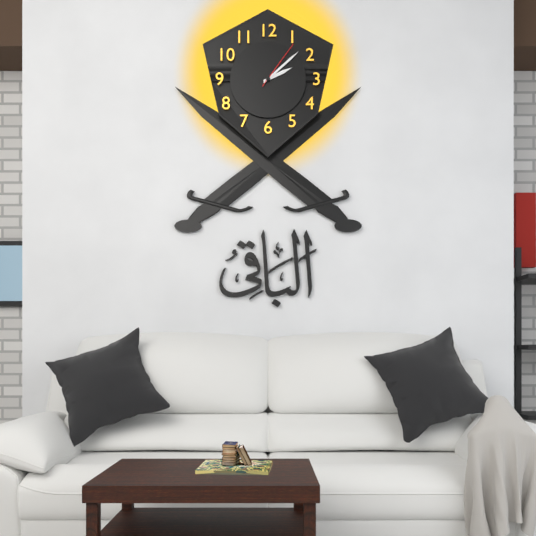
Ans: 2:08:06
